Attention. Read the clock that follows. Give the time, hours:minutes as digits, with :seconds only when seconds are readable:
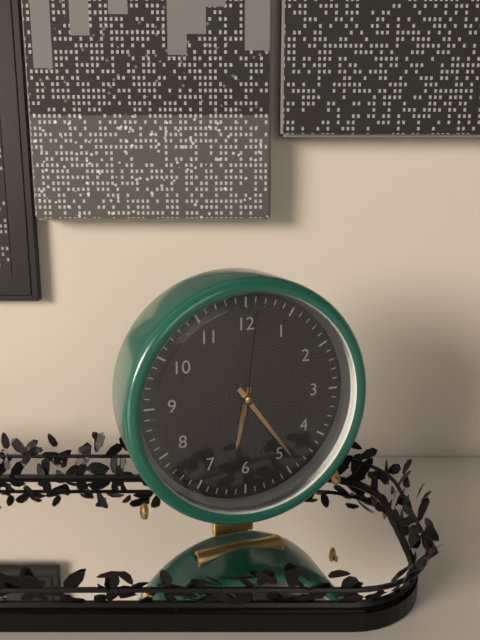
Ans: 6:24:01
